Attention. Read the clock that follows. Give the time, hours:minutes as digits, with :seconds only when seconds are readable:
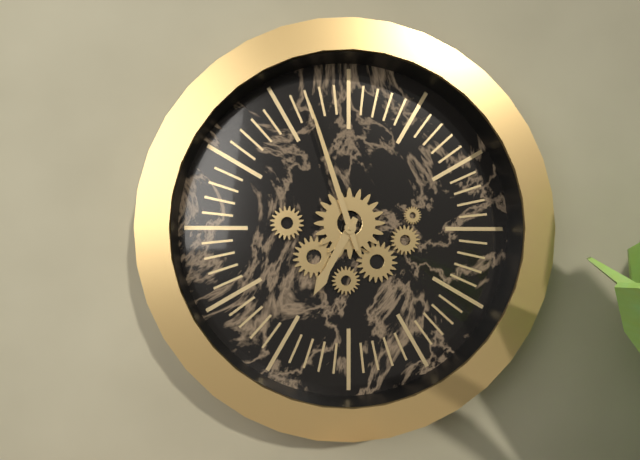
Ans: 6:57
